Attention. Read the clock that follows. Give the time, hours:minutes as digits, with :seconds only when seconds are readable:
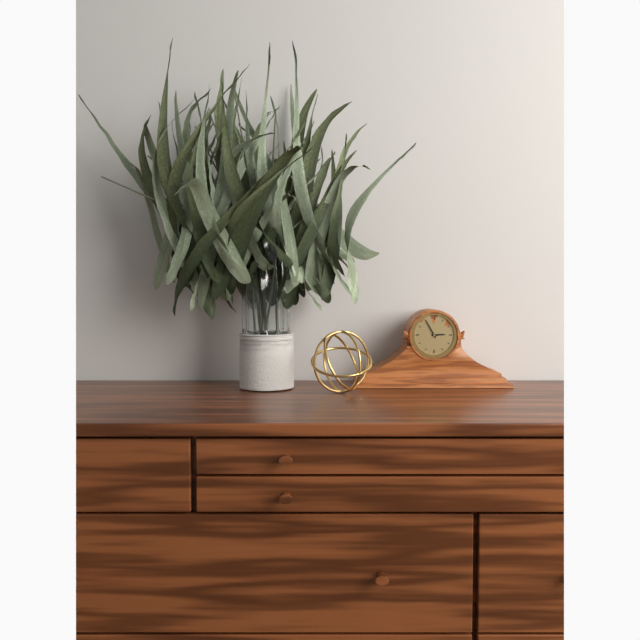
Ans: 2:55
